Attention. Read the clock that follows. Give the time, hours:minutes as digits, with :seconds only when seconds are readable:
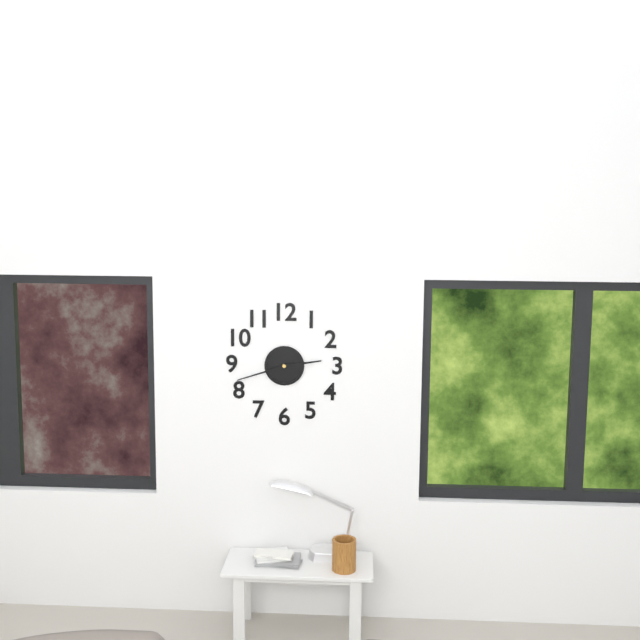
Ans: 2:42
